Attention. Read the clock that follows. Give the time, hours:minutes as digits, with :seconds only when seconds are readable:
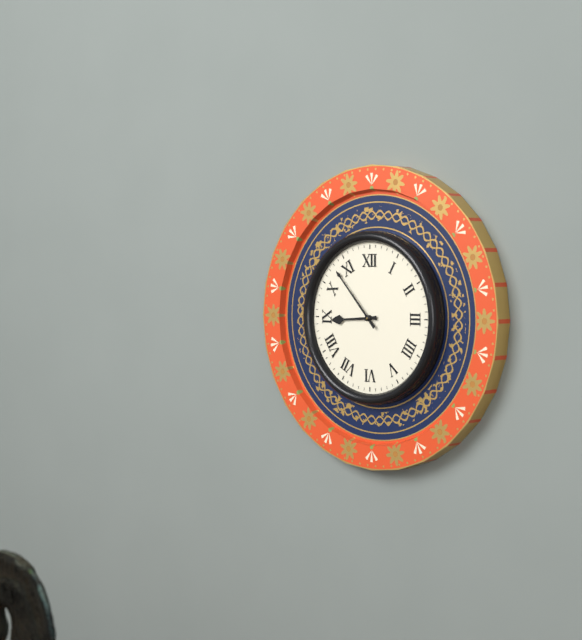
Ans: 8:53
